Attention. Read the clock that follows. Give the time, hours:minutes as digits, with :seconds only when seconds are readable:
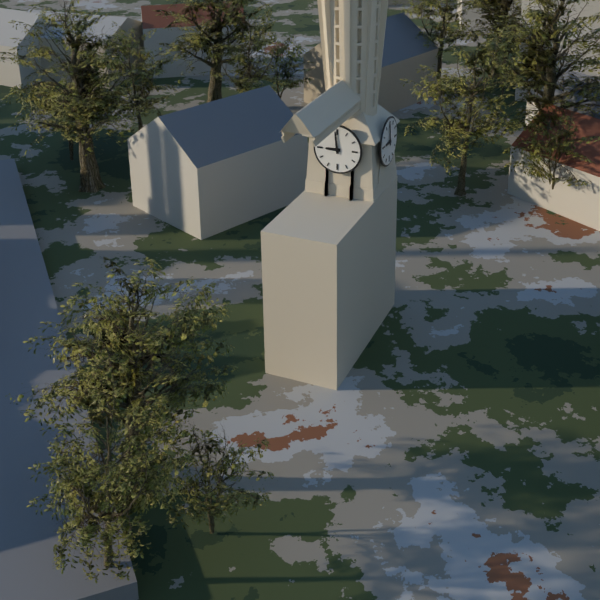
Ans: 8:59
